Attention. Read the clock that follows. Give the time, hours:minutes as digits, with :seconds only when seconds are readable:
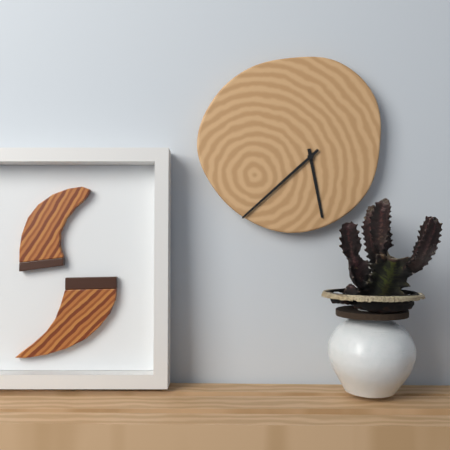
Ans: 5:38
